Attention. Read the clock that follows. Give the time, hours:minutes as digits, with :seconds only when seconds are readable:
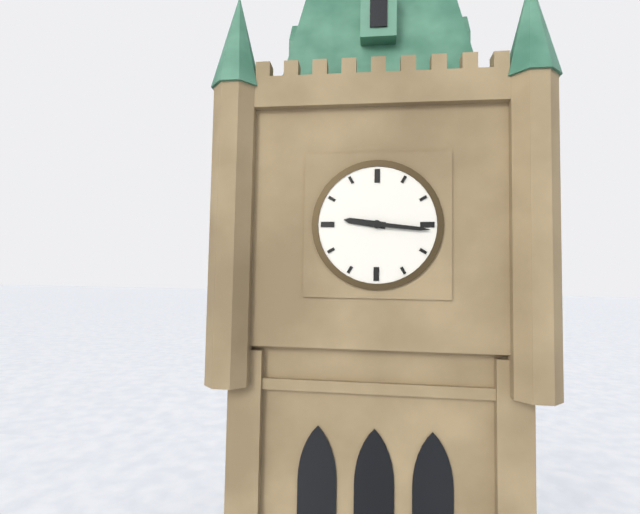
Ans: 9:16
